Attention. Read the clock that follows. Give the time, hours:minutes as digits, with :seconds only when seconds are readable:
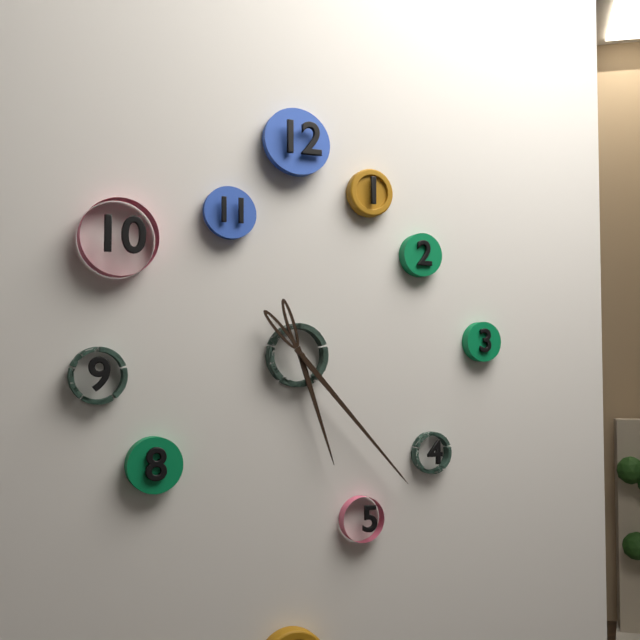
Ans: 5:23
